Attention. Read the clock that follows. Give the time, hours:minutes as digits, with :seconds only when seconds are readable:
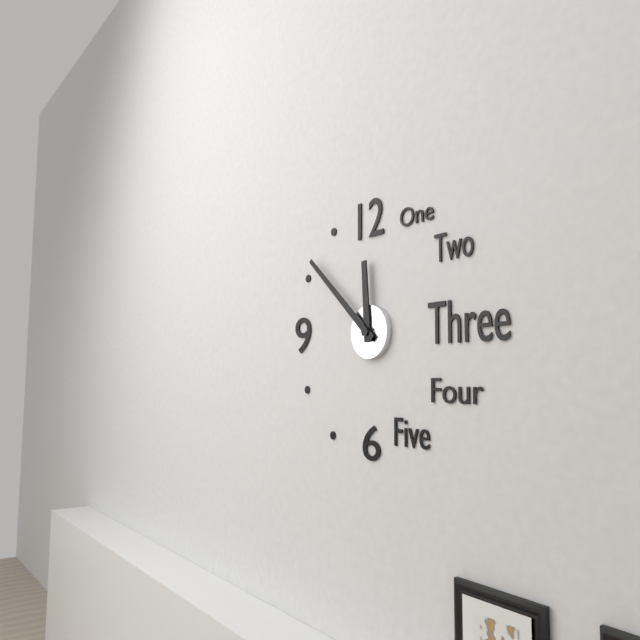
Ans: 11:52
